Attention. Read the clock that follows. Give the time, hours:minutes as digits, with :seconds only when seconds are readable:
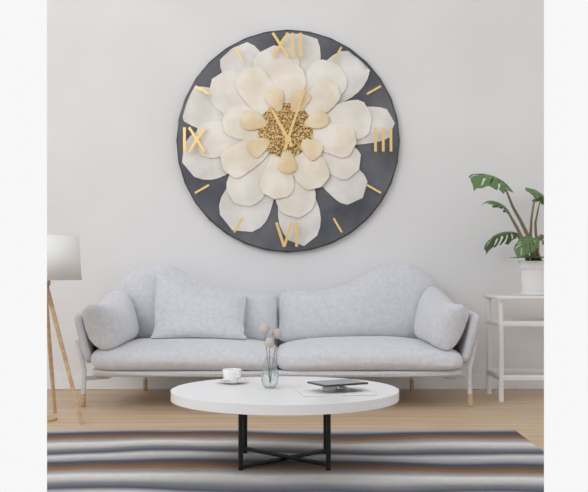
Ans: 11:03
